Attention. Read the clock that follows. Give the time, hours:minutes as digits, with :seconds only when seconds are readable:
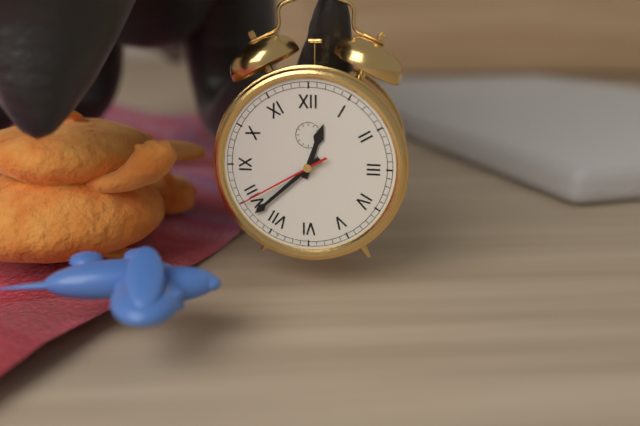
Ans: 12:38:40
